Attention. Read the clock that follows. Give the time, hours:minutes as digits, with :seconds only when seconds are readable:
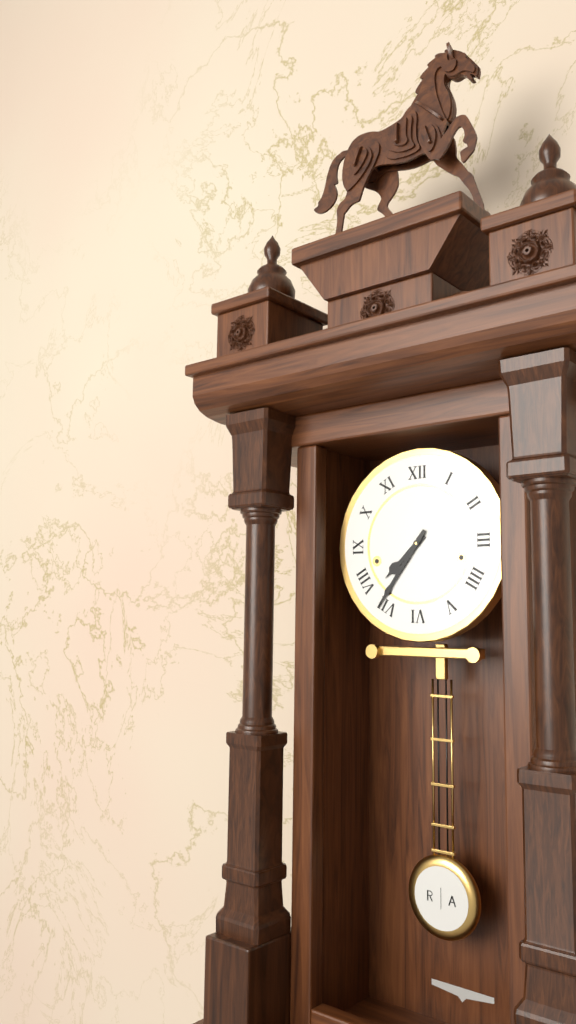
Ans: 7:36
